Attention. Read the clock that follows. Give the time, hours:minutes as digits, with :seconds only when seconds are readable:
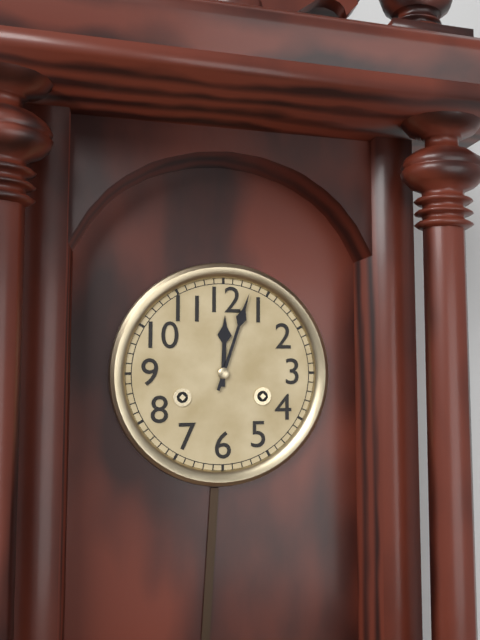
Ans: 12:03
